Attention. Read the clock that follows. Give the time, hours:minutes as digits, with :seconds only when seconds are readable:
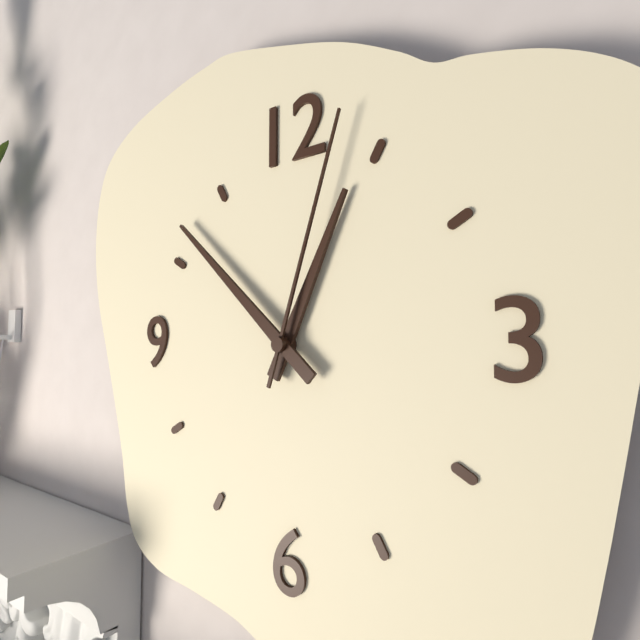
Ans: 12:52:03
